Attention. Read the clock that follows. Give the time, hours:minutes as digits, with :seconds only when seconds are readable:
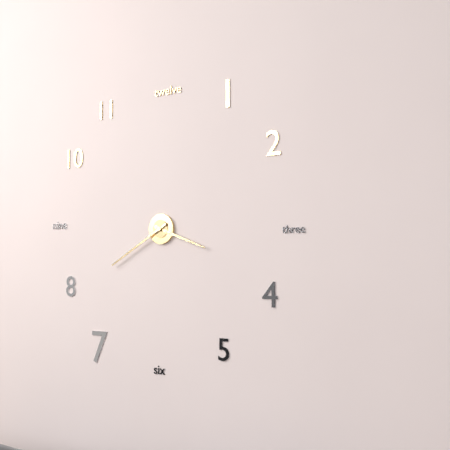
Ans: 3:40
